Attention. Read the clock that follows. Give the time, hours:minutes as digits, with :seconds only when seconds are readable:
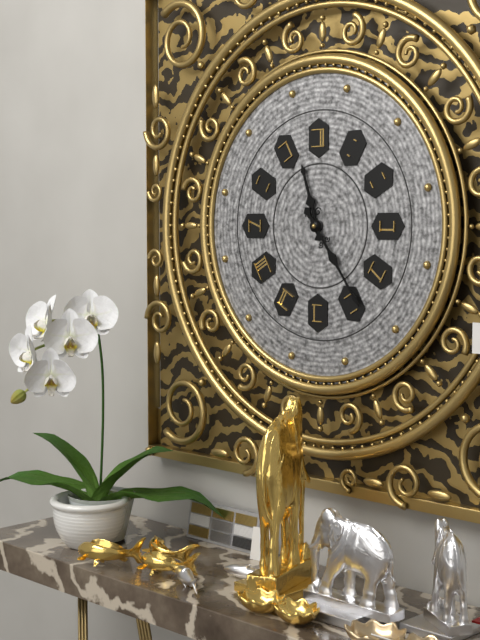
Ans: 11:24
